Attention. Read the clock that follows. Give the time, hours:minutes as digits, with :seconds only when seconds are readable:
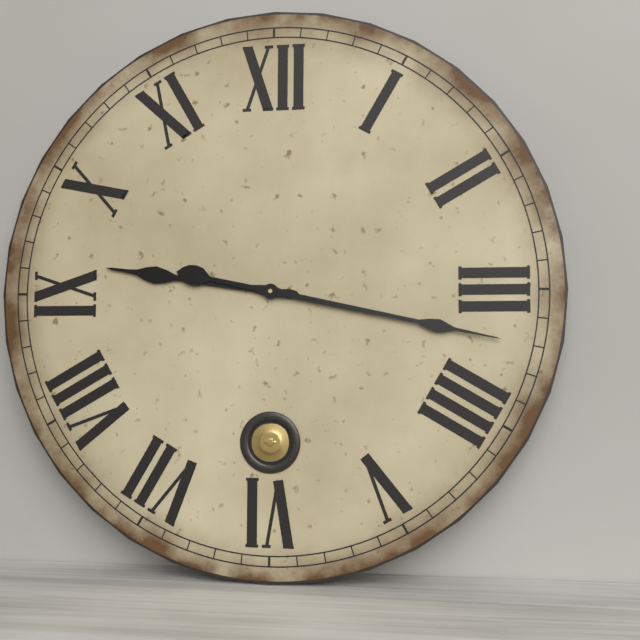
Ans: 9:17
